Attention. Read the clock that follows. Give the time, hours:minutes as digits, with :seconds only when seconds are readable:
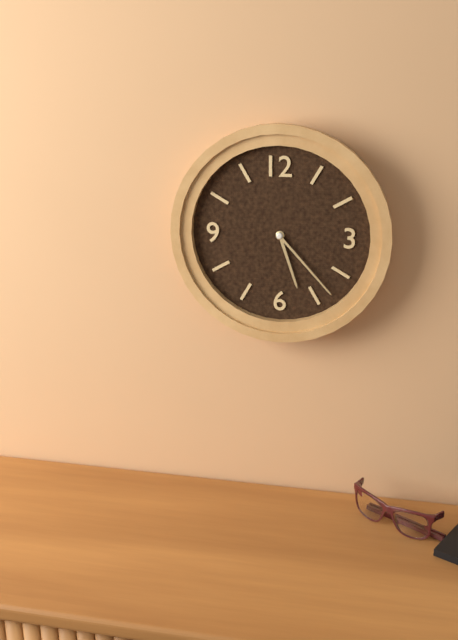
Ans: 5:23
